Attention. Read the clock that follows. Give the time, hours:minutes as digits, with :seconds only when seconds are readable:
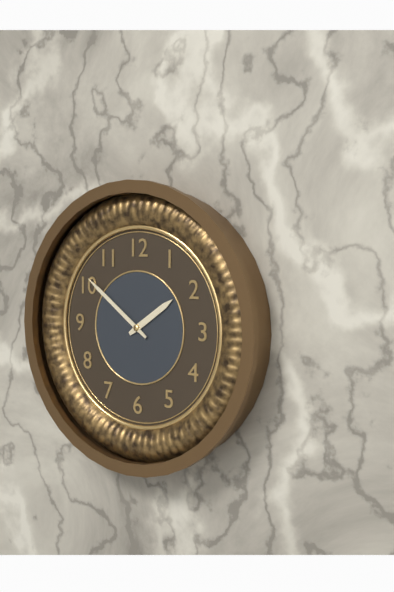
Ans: 1:51
